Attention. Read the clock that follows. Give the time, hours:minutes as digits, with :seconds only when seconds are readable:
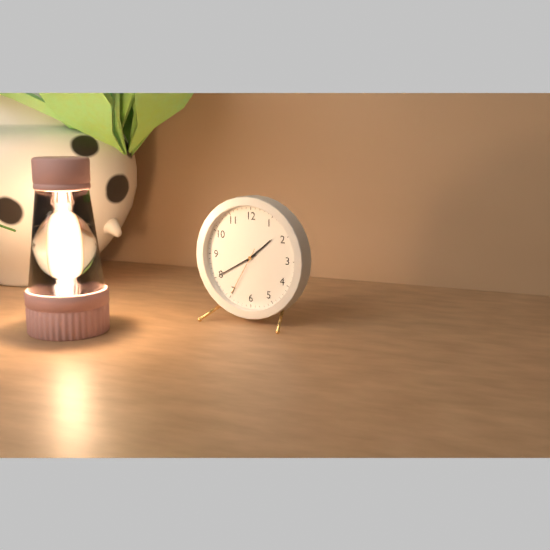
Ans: 1:40:35
